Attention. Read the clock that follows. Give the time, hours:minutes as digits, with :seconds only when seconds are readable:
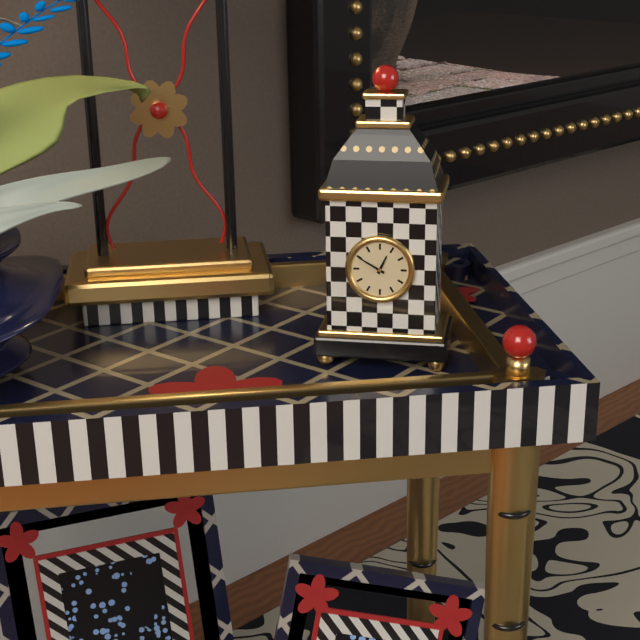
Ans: 12:50
